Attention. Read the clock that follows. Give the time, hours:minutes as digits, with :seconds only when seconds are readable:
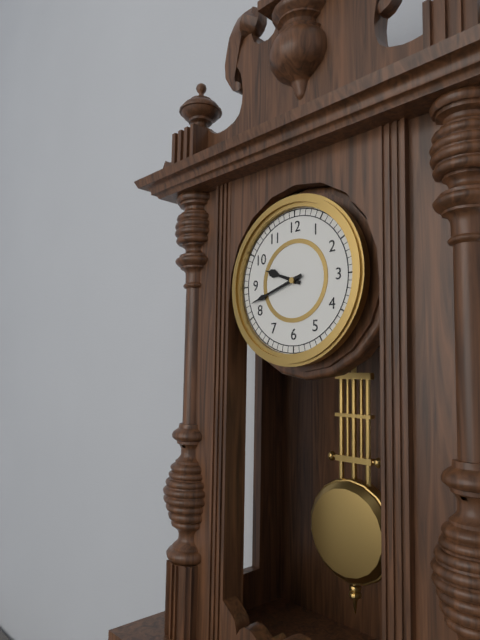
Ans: 9:42
